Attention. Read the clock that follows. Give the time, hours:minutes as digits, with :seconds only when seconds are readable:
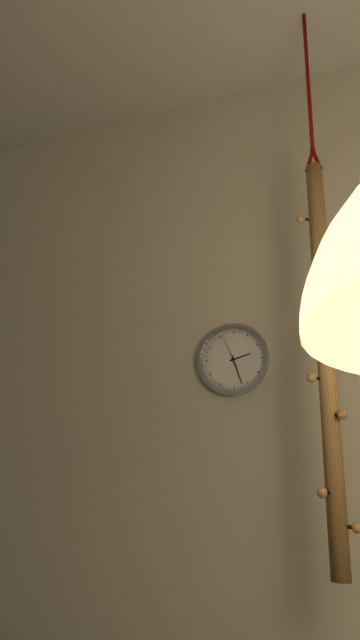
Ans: 2:27
